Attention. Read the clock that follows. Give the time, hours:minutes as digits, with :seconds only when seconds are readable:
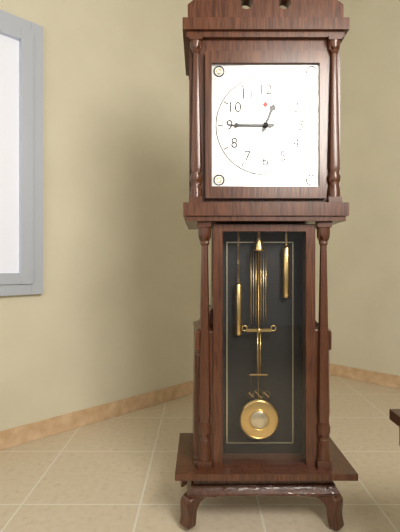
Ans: 12:45
